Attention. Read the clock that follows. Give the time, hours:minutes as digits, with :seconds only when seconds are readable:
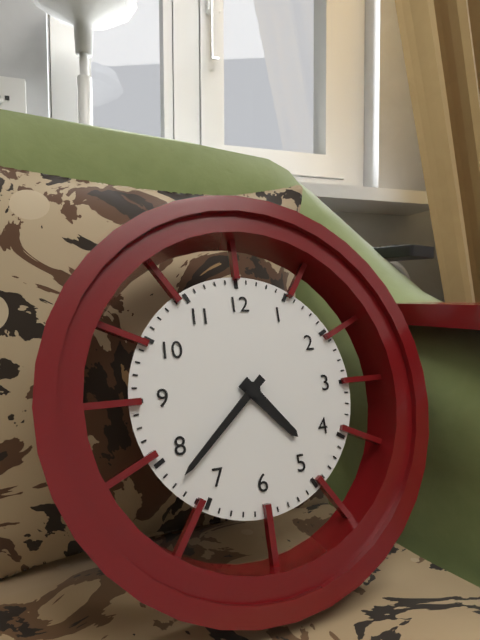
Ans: 4:38
